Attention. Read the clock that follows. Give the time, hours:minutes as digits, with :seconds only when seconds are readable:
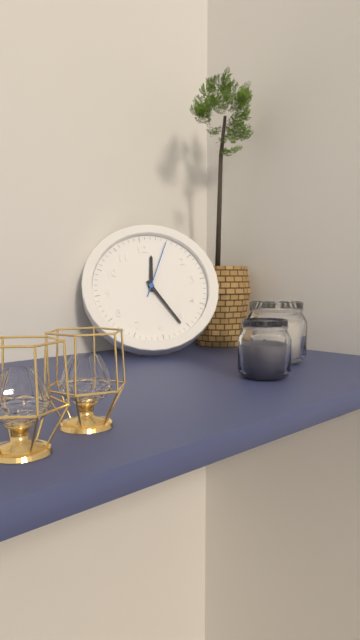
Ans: 12:26:05
